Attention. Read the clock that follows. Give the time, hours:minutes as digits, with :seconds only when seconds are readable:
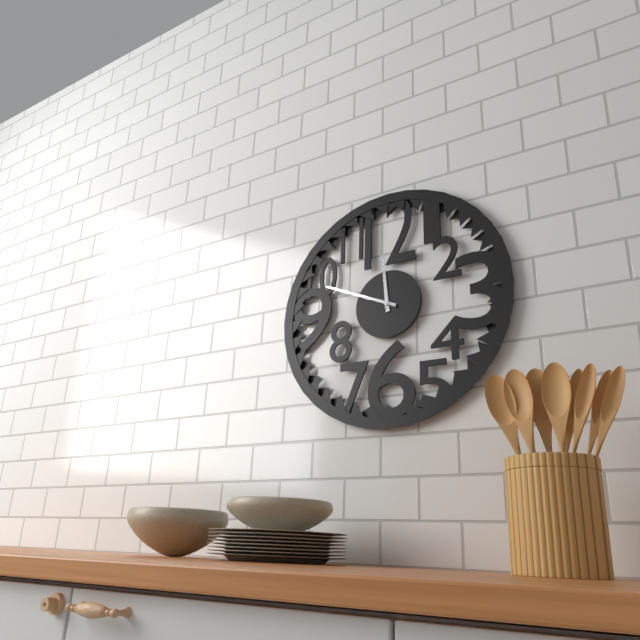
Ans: 11:49
